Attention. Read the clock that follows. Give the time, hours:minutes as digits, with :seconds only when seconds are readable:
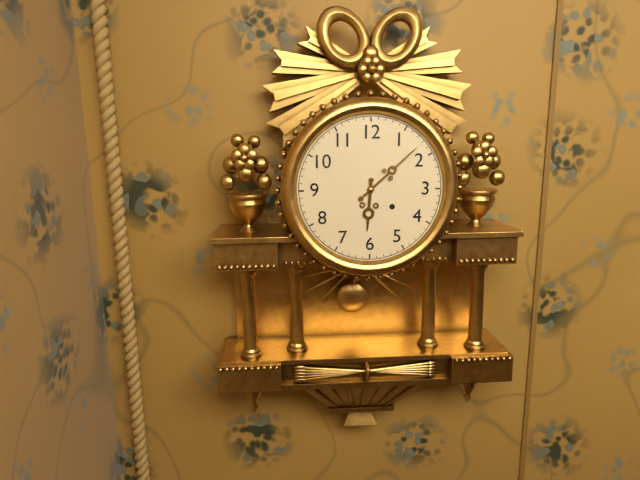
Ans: 6:08
